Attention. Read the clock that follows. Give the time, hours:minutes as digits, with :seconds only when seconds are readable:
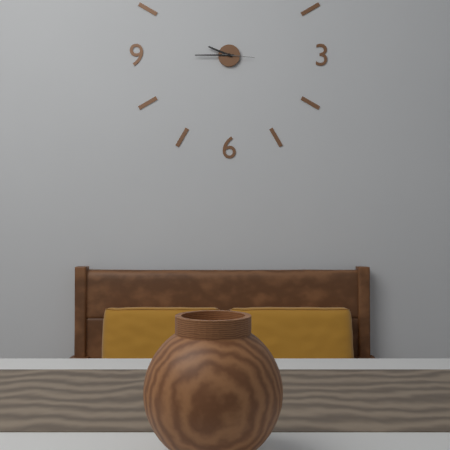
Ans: 9:45
